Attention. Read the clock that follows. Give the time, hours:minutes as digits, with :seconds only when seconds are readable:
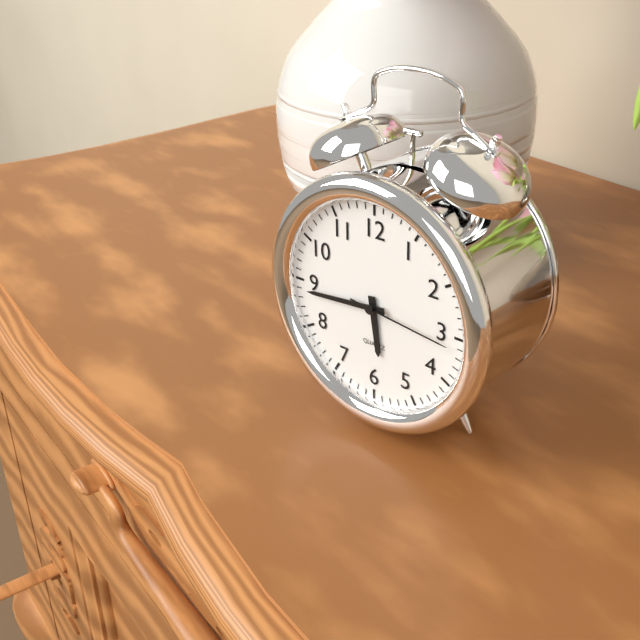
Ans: 5:44:16
